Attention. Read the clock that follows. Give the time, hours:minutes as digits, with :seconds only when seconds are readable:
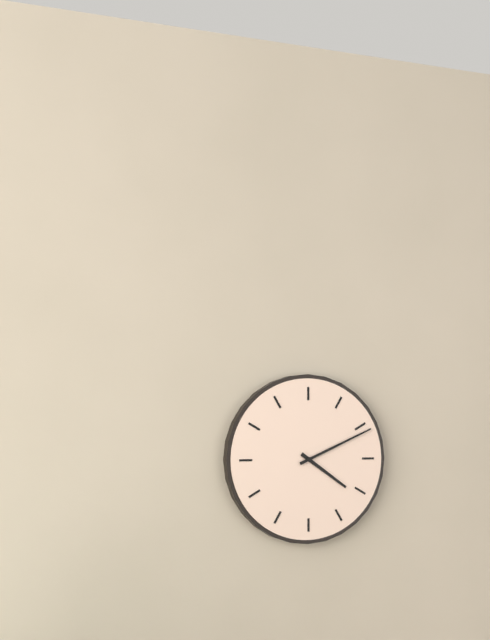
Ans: 4:11
